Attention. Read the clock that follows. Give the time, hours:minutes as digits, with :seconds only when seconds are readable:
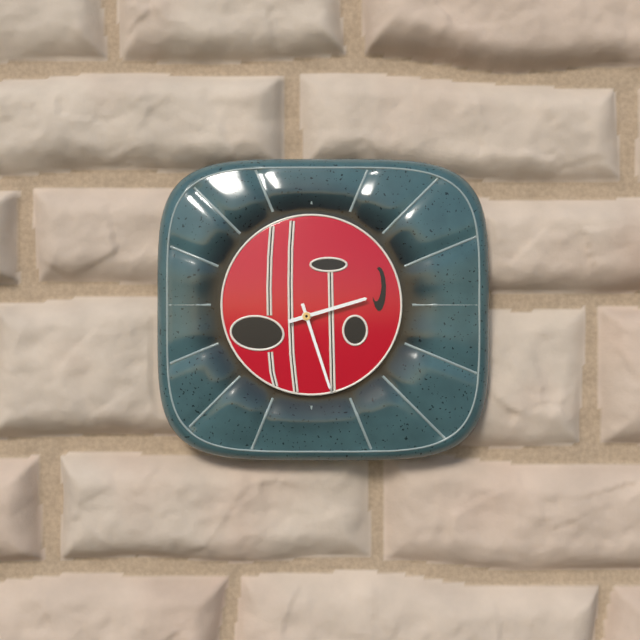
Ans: 2:27
